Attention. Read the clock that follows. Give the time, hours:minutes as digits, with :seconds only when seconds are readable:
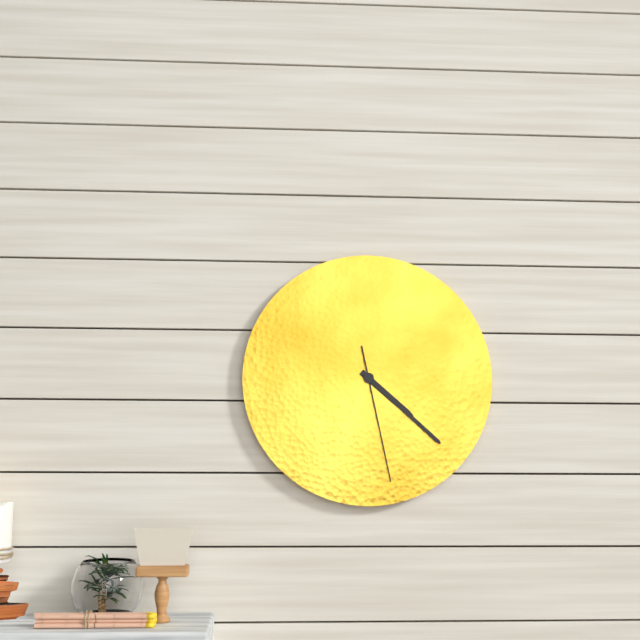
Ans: 4:22:28
